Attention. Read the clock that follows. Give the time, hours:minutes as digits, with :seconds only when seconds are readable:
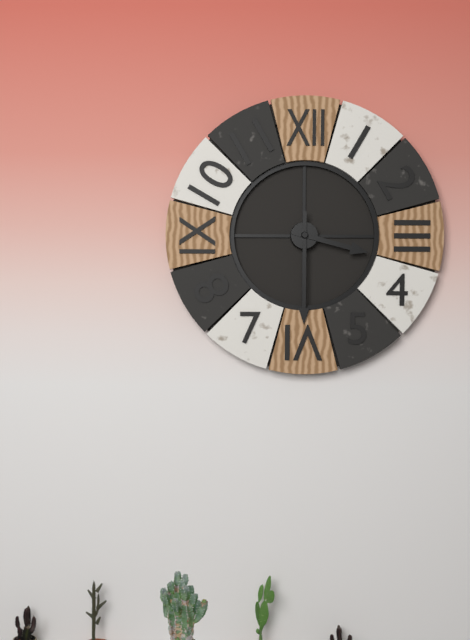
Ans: 3:30
